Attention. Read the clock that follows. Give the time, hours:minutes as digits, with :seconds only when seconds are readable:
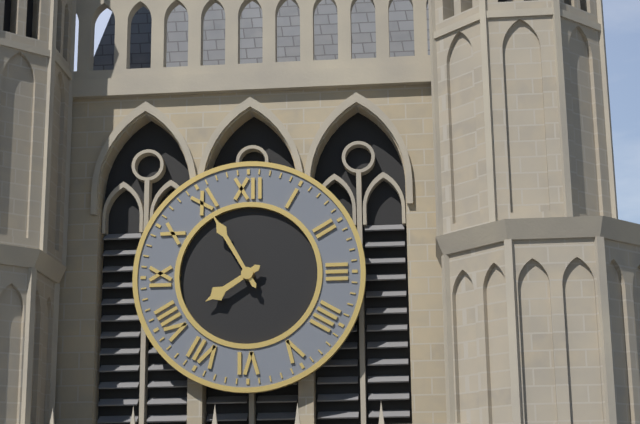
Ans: 7:55
